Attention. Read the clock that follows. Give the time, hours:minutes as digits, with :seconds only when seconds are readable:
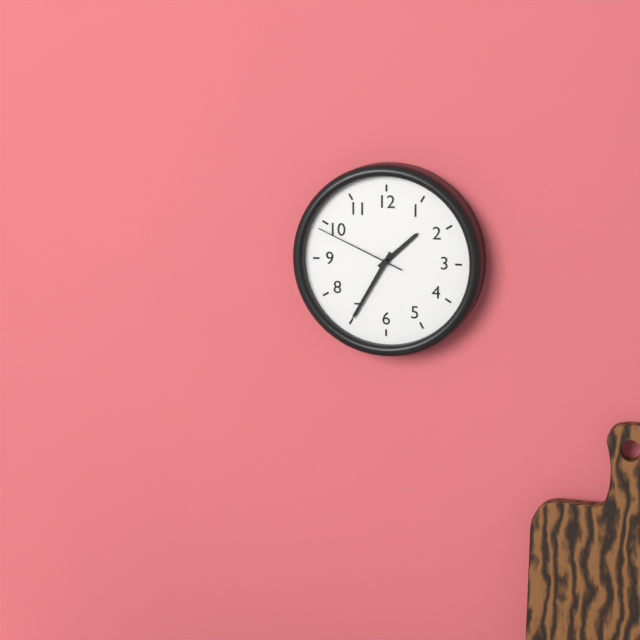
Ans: 1:35:49
